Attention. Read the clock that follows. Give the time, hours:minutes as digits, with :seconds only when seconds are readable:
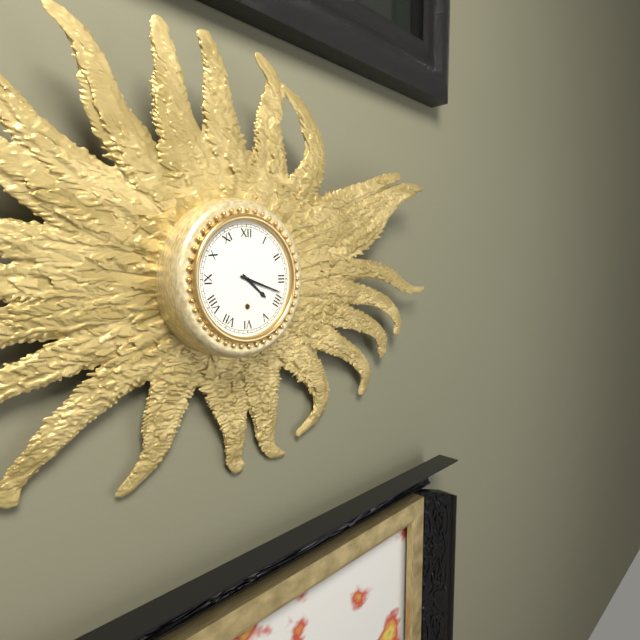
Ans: 4:18
